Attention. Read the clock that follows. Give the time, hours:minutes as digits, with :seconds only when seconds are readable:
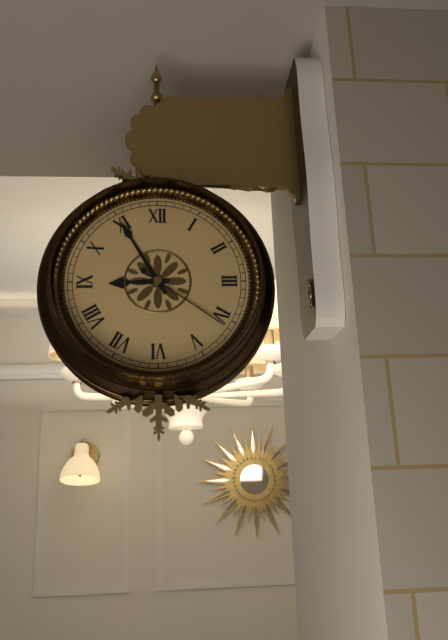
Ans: 8:55:21
